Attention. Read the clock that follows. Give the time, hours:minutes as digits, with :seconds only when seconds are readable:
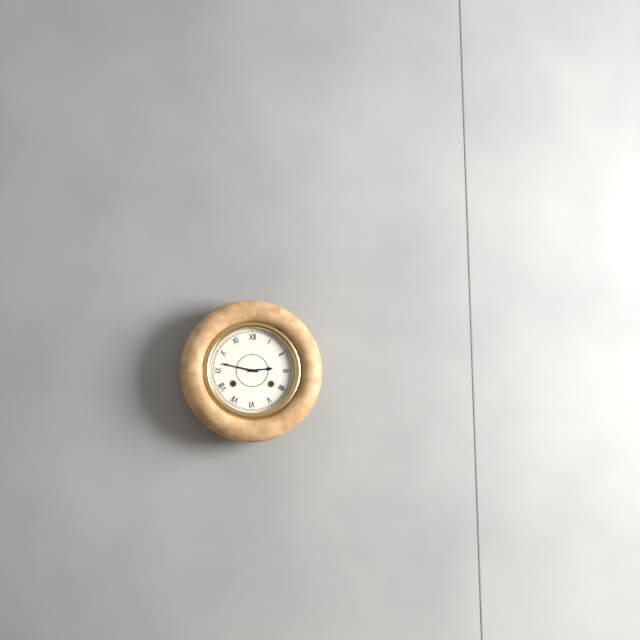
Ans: 2:47
